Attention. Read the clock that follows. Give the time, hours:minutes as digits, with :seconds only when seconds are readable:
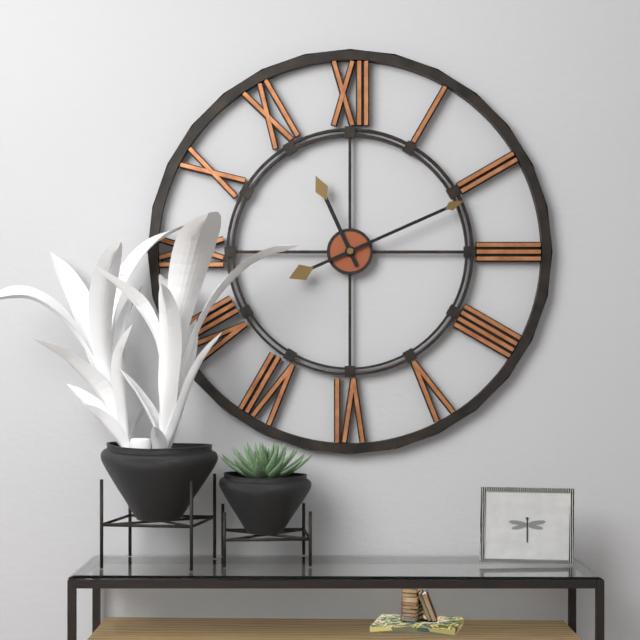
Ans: 11:11
